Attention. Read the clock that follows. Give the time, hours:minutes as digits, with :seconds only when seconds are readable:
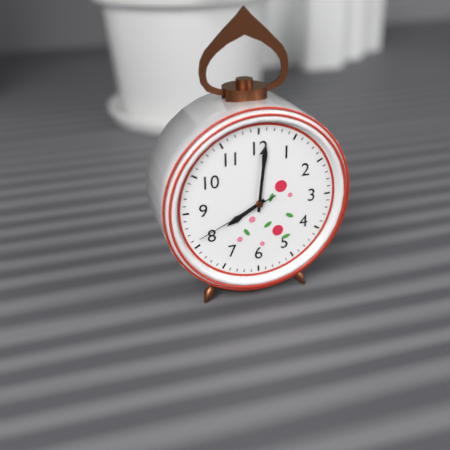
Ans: 8:01:41
